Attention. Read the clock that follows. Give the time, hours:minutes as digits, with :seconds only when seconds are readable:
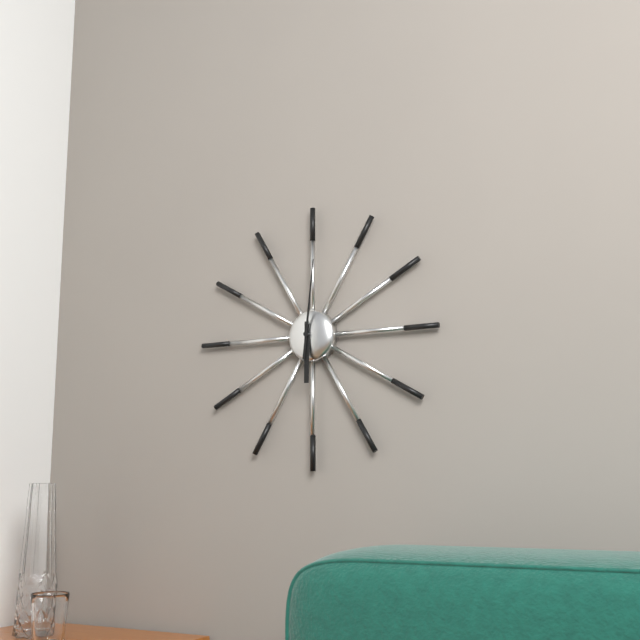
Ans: 6:01
